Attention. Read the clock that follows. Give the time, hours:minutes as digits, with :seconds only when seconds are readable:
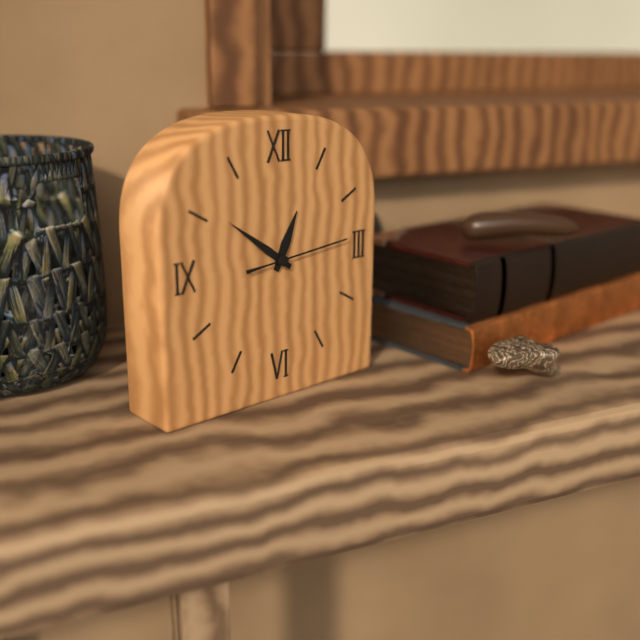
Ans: 12:51:14
